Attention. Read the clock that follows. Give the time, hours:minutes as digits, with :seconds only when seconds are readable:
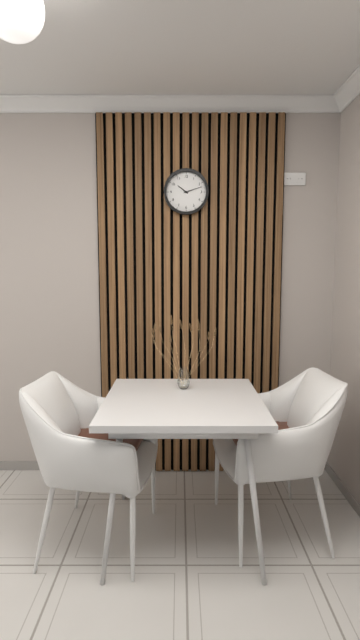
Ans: 10:12
